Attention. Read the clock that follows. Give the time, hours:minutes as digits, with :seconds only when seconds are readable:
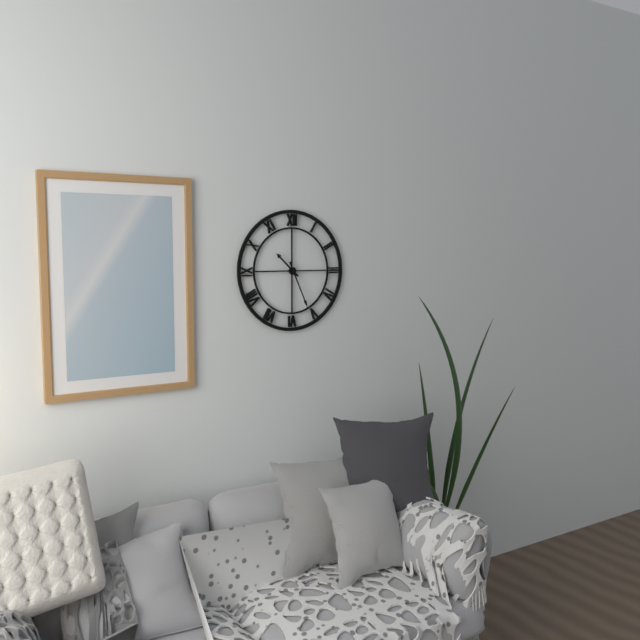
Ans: 10:26
